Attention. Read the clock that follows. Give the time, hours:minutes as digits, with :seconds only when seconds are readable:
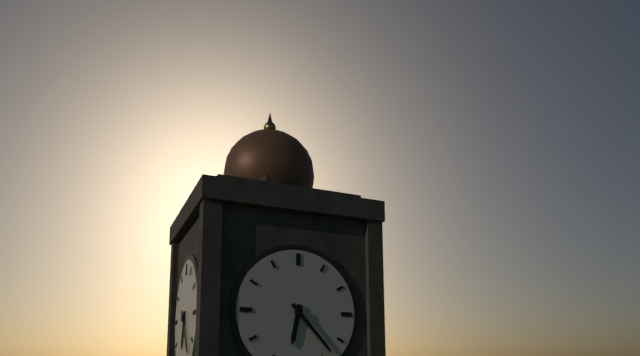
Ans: 6:23
